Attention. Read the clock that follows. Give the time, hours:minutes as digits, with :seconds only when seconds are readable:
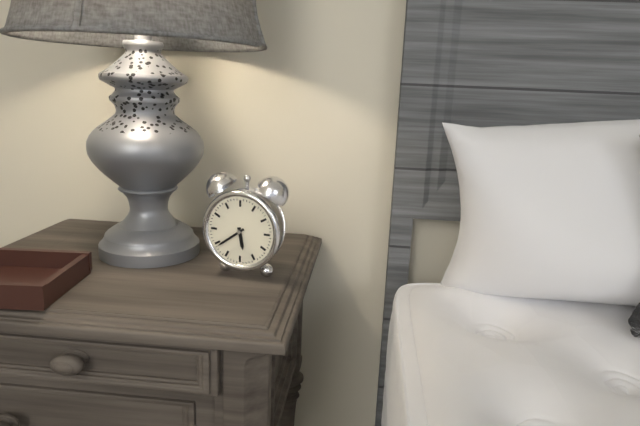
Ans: 5:39
